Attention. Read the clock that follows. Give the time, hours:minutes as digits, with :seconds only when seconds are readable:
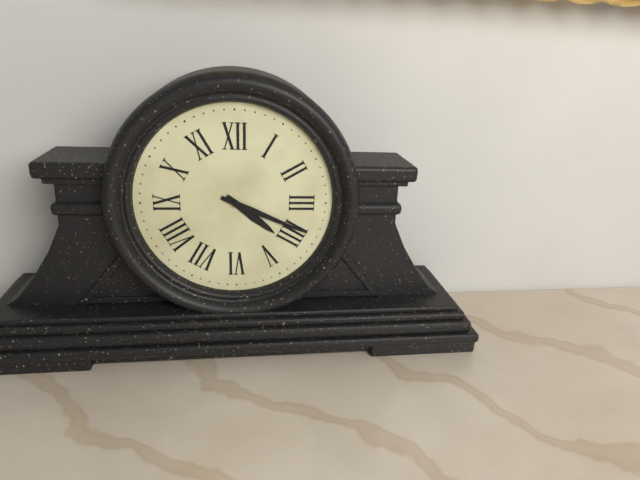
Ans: 4:19
